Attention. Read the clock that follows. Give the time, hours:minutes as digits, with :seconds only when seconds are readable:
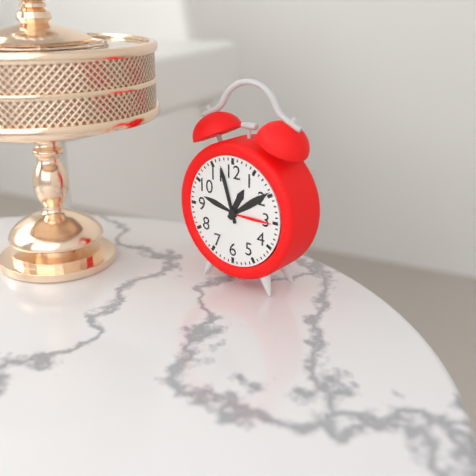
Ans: 12:57
